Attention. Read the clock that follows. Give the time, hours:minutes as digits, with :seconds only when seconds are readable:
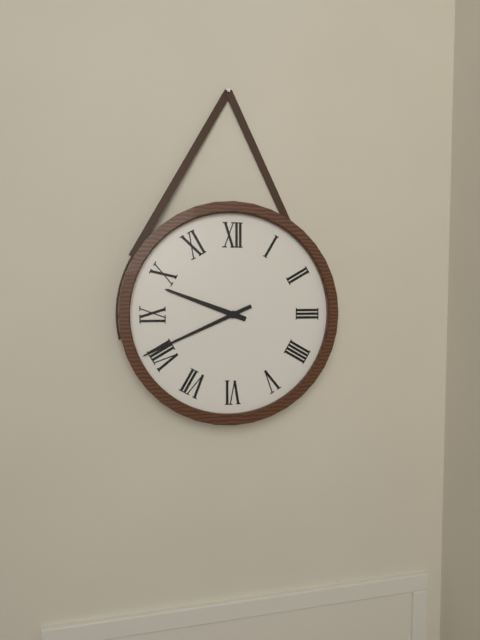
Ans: 9:41
